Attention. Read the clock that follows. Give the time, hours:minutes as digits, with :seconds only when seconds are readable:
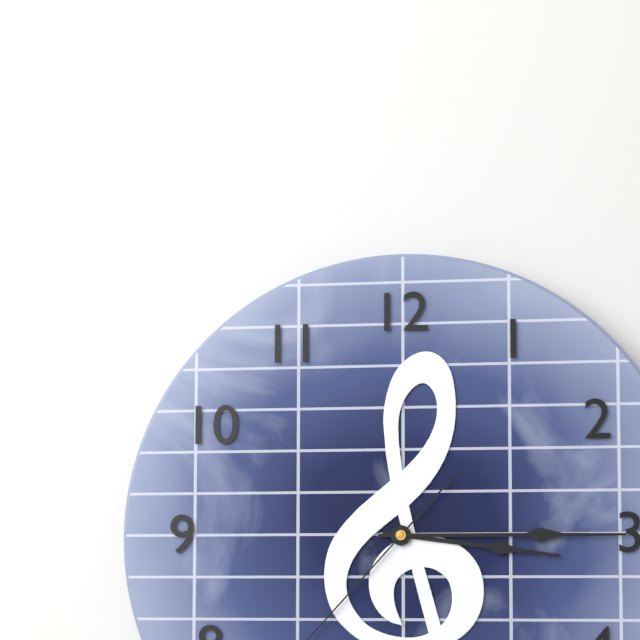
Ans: 3:15
